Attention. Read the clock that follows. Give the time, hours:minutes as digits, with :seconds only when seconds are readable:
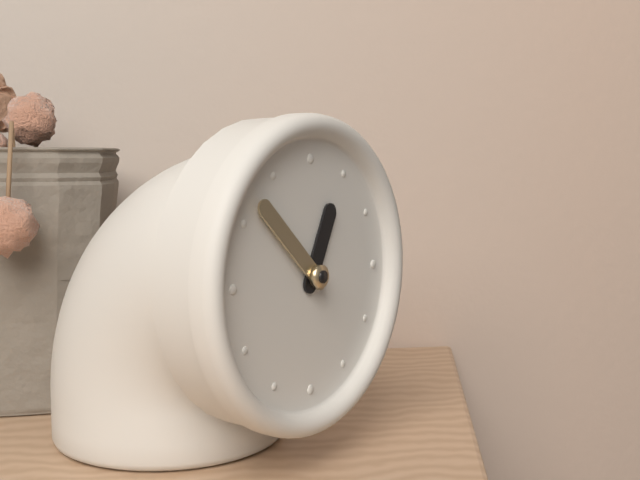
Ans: 12:52
